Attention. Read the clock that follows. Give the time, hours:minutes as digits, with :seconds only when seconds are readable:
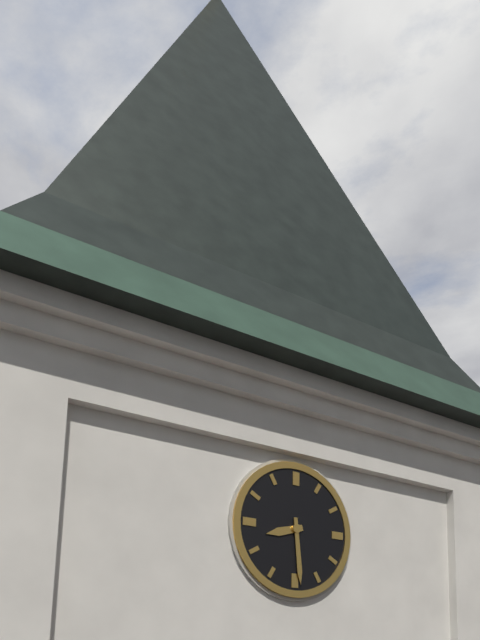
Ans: 8:29
